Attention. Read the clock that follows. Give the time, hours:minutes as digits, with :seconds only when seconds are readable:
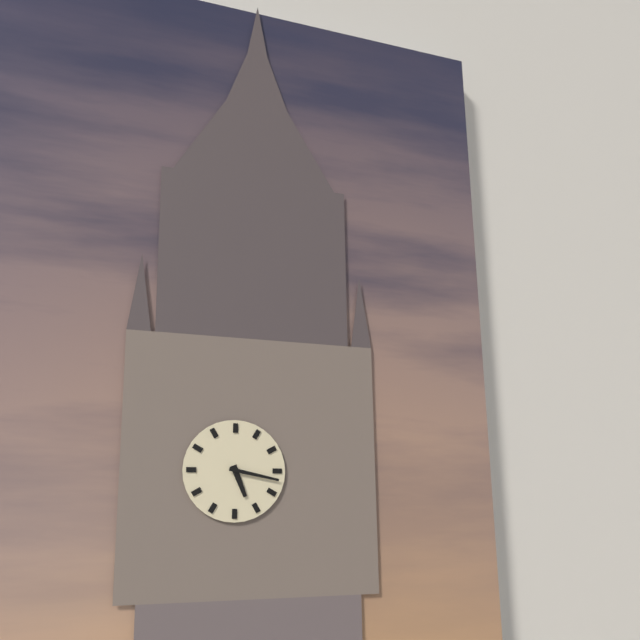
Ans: 5:17
